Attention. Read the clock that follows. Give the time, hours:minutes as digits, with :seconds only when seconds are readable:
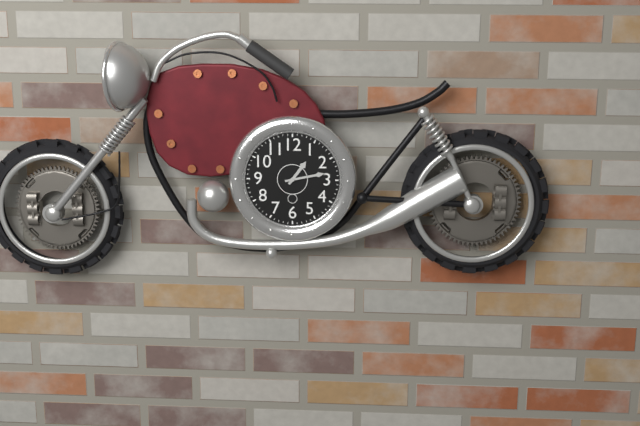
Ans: 1:13
